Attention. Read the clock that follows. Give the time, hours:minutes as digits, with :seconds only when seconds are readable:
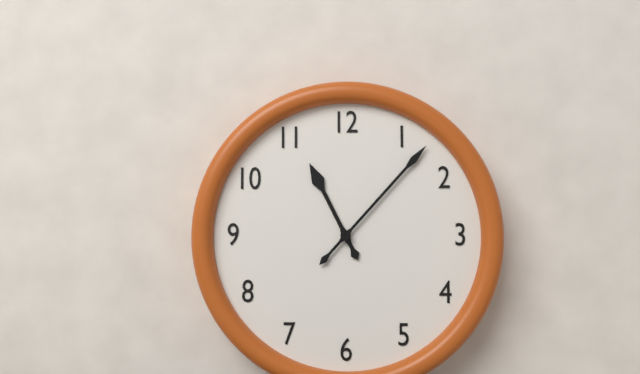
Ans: 11:07
